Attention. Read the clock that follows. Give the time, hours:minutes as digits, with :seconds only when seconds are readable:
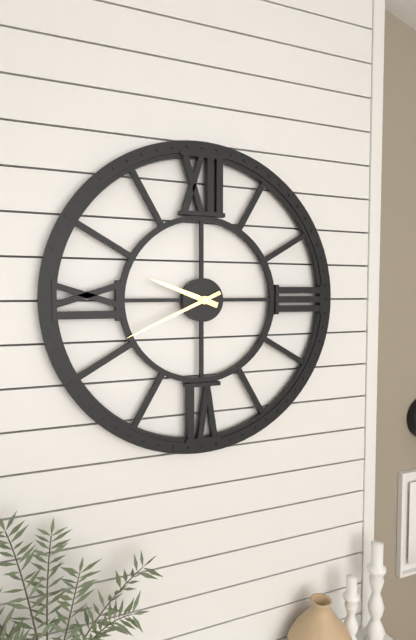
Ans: 9:41
